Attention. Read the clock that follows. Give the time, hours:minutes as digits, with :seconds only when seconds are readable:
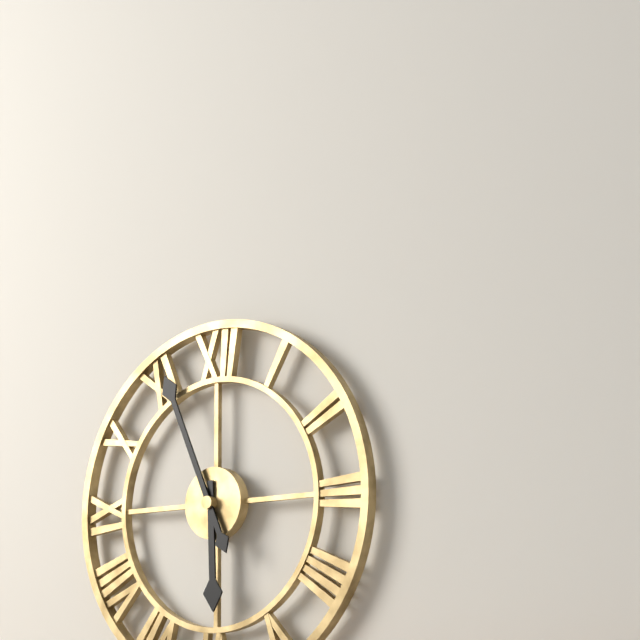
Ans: 5:56
